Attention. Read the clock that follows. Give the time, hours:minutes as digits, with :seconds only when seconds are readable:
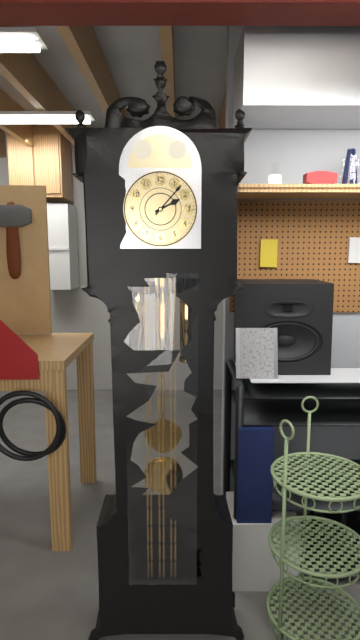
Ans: 2:07
